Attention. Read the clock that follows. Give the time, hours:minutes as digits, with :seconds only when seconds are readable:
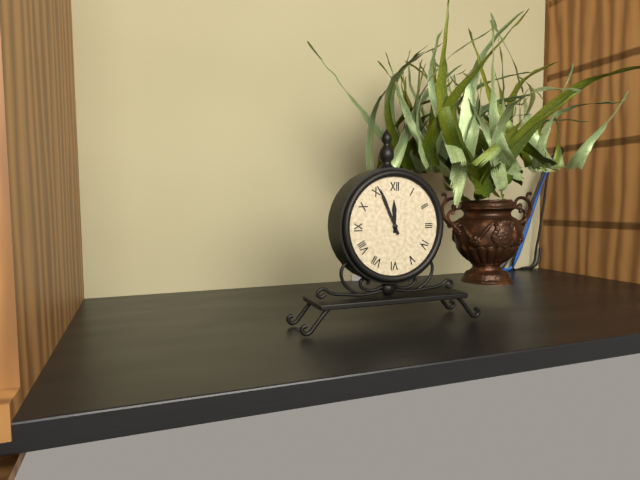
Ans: 11:56
